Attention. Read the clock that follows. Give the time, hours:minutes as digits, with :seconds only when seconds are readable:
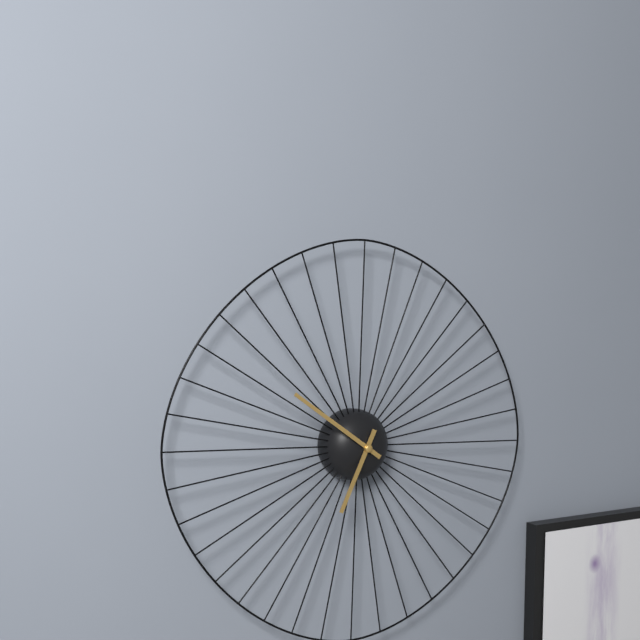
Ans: 6:51
